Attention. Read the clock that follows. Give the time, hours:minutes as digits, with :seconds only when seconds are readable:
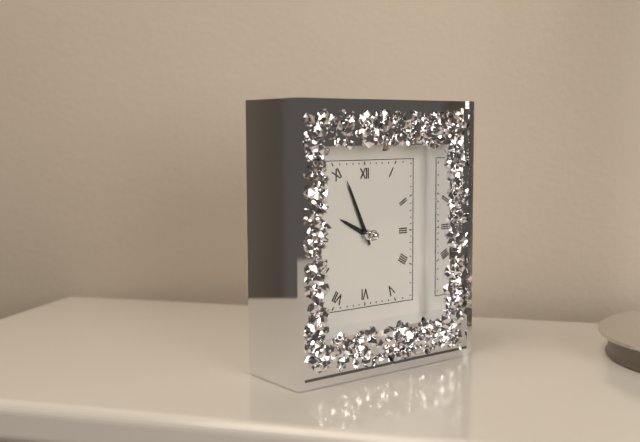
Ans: 9:56
